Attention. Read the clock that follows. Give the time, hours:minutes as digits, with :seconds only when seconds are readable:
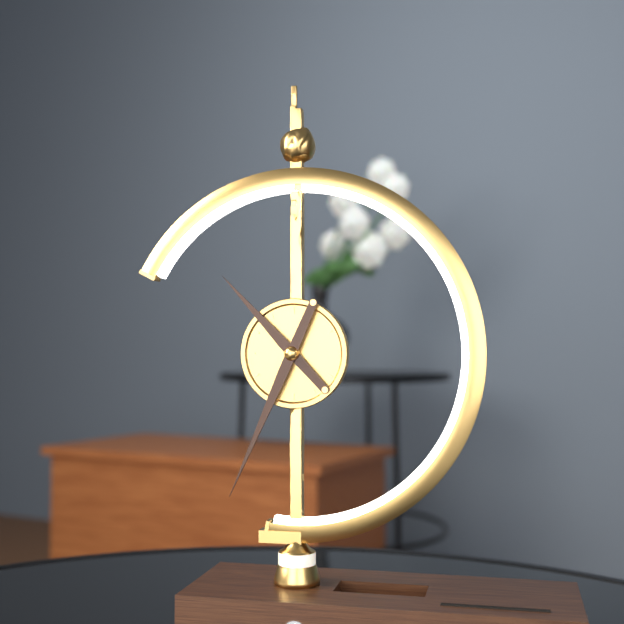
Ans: 10:34
